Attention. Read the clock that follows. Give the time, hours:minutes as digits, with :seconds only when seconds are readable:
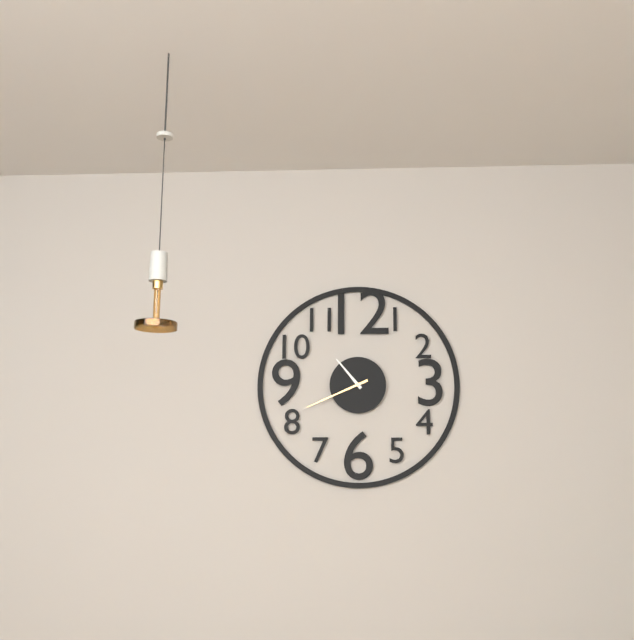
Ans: 10:41
